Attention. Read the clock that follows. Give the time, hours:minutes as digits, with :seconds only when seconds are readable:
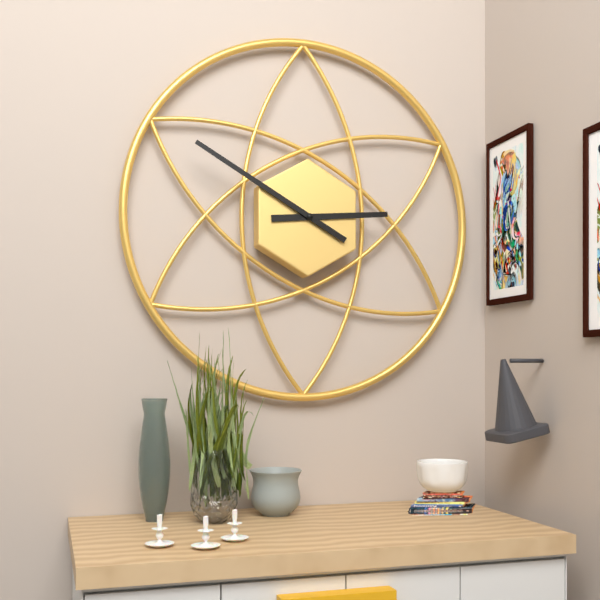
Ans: 2:50
